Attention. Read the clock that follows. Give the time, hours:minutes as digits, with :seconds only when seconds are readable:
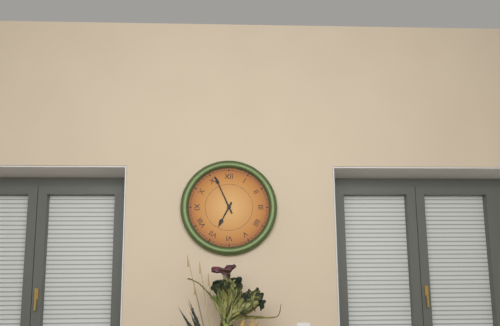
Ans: 6:56
